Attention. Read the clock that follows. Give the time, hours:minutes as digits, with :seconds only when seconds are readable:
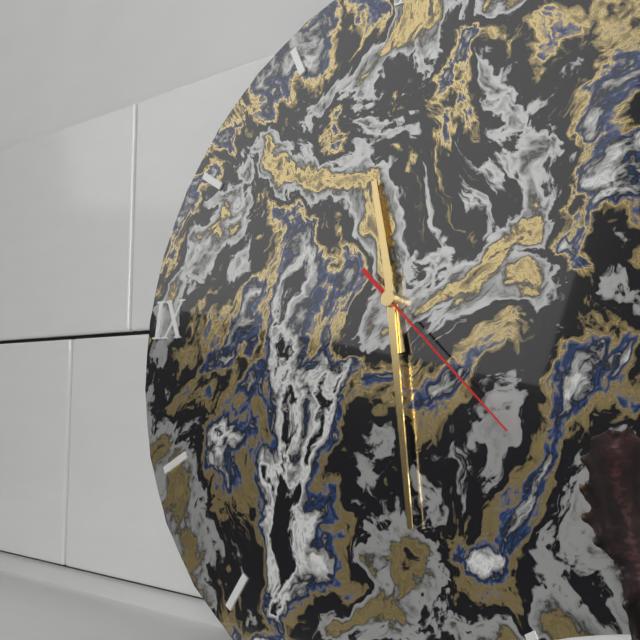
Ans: 11:28:22
